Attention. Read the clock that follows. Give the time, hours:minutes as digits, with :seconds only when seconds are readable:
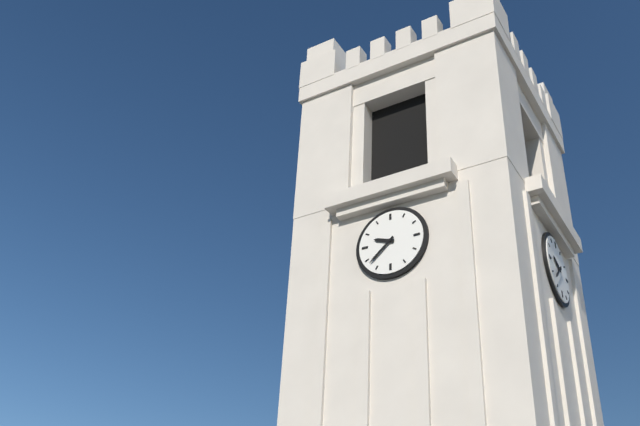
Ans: 9:38
